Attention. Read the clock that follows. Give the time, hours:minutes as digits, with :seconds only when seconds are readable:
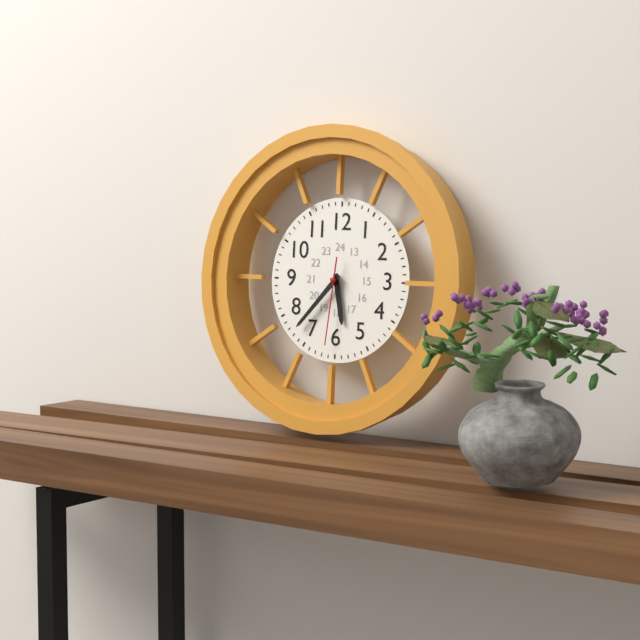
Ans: 5:37:31
